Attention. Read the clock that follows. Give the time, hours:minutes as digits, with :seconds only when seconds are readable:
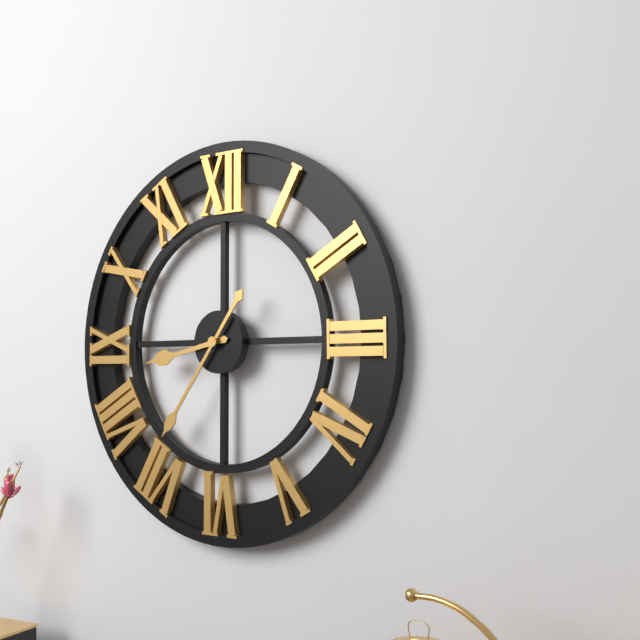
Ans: 8:36
